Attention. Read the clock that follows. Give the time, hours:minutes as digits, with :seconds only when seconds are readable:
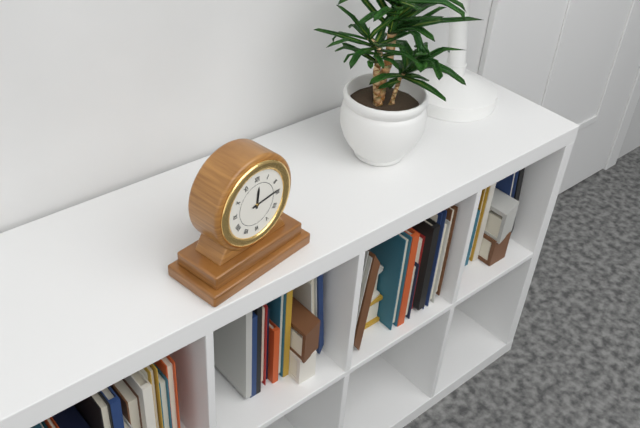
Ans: 12:14
